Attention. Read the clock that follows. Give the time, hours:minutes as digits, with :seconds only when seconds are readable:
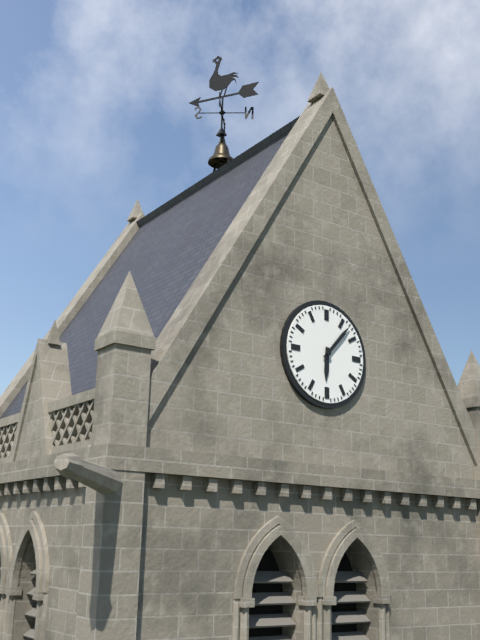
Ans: 6:07
